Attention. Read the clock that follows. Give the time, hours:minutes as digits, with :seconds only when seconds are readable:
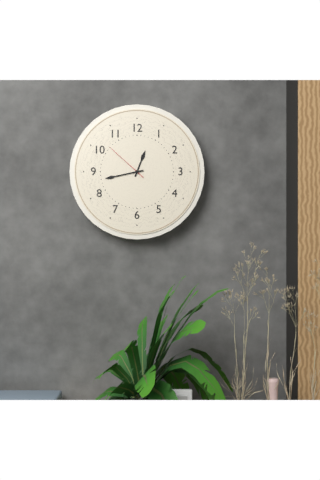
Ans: 12:43
